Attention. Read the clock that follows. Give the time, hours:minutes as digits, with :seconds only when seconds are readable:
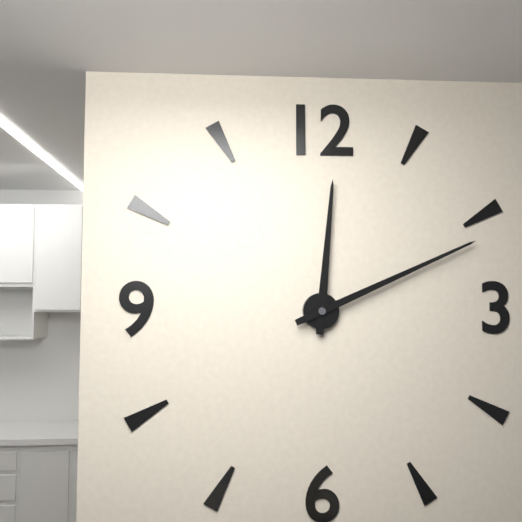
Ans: 12:11
